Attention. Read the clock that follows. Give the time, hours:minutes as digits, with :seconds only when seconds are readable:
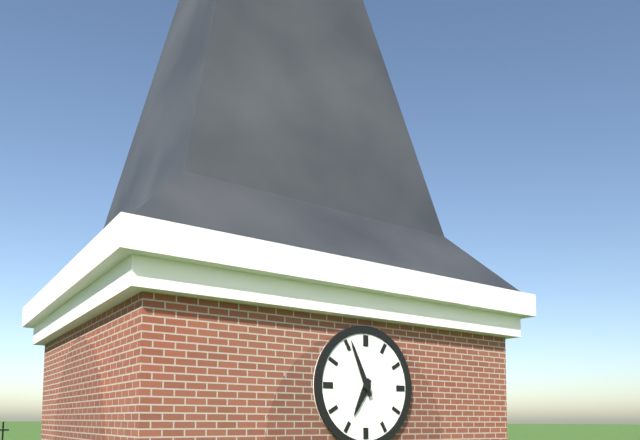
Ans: 6:56
